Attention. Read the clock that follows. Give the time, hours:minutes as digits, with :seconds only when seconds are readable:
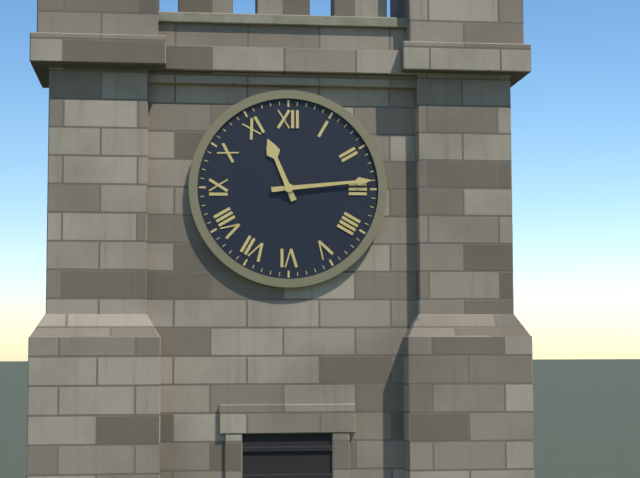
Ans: 11:14
